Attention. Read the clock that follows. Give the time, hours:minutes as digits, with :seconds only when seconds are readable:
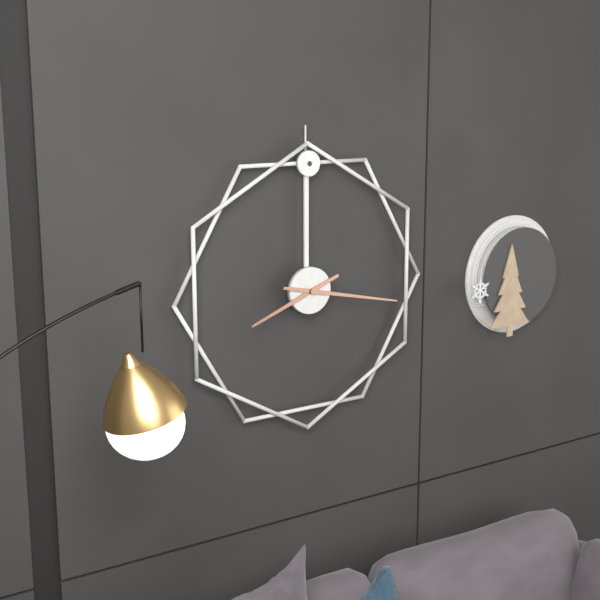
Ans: 8:17
